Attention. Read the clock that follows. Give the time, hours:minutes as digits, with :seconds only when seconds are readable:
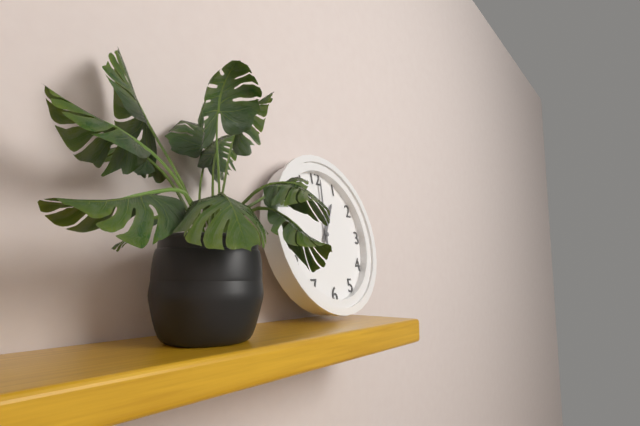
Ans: 1:01
